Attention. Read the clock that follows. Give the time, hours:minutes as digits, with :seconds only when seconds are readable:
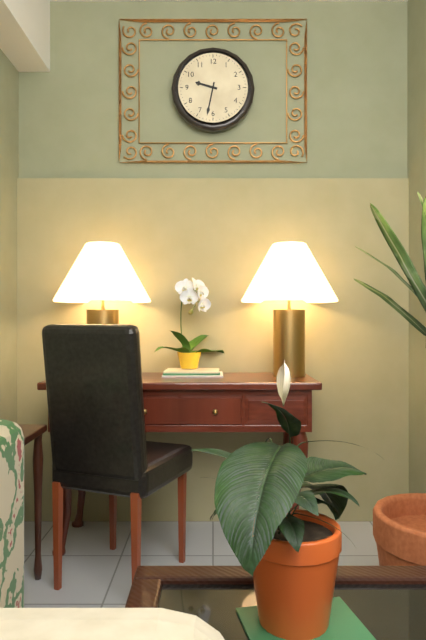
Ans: 9:32
